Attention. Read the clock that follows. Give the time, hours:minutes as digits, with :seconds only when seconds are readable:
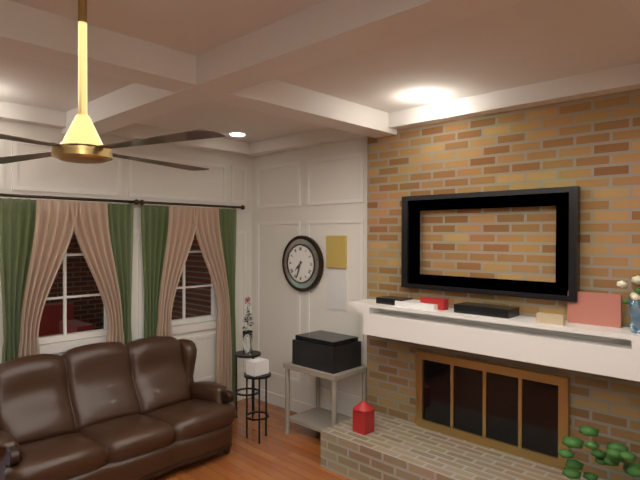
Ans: 7:33
